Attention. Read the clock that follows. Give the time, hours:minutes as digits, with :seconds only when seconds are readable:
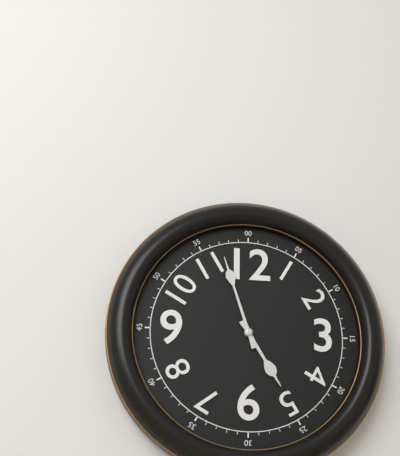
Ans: 4:57
